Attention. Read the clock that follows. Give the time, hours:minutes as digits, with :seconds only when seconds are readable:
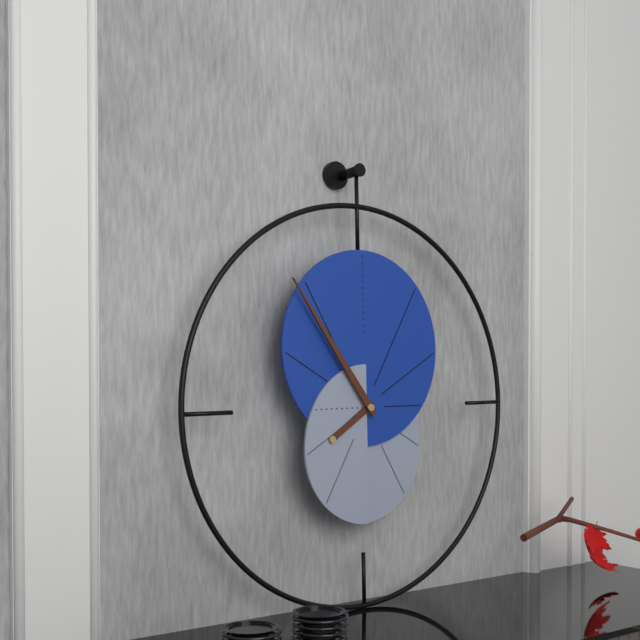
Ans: 7:54
